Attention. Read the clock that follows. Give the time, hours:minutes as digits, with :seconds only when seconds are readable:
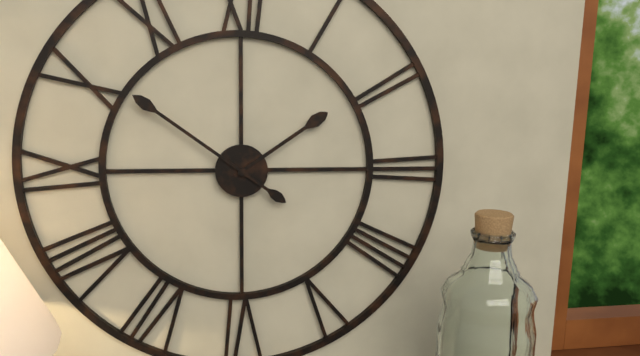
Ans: 1:51
